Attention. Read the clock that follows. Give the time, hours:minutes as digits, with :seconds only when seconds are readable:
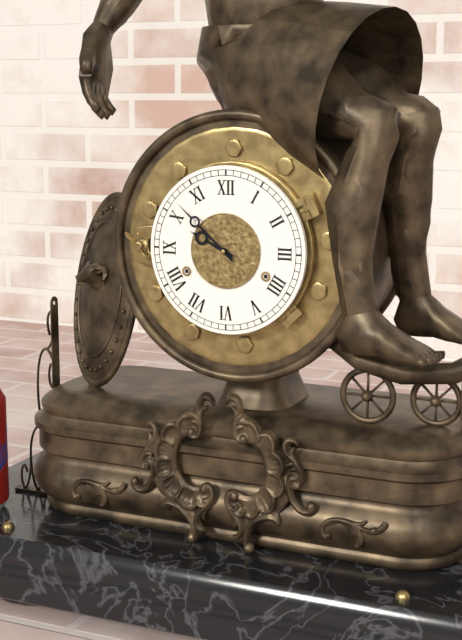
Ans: 9:52
